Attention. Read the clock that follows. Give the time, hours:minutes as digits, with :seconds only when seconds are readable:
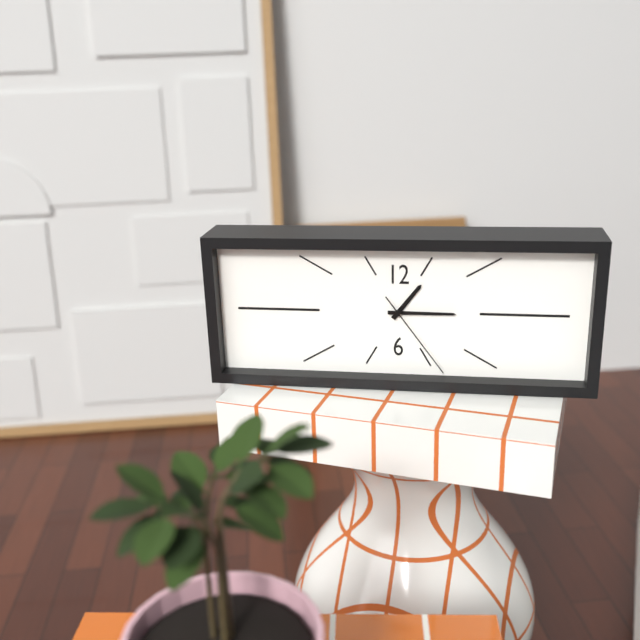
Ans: 1:15:24
